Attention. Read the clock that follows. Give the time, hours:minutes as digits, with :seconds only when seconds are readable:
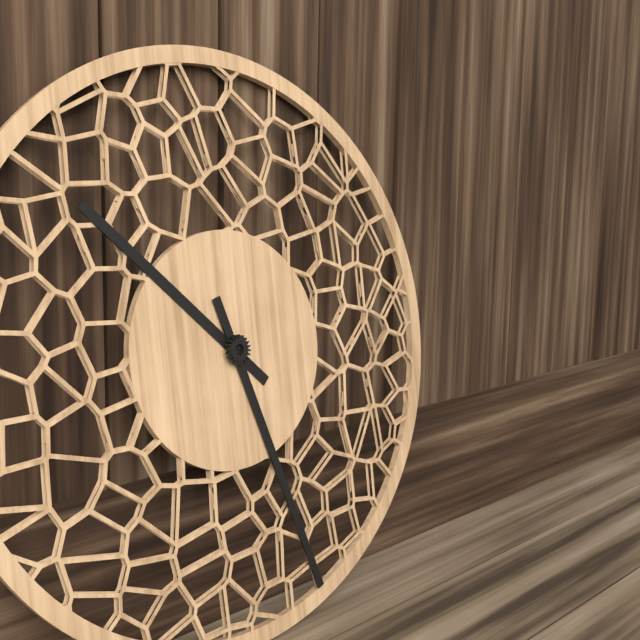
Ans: 10:27
